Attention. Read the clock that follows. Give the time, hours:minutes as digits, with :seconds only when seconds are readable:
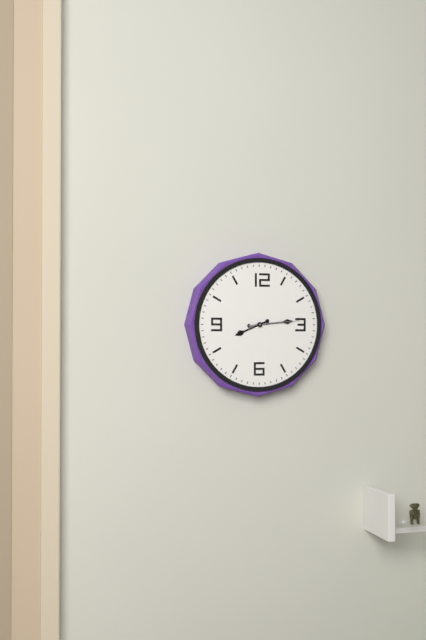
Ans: 8:14:14
